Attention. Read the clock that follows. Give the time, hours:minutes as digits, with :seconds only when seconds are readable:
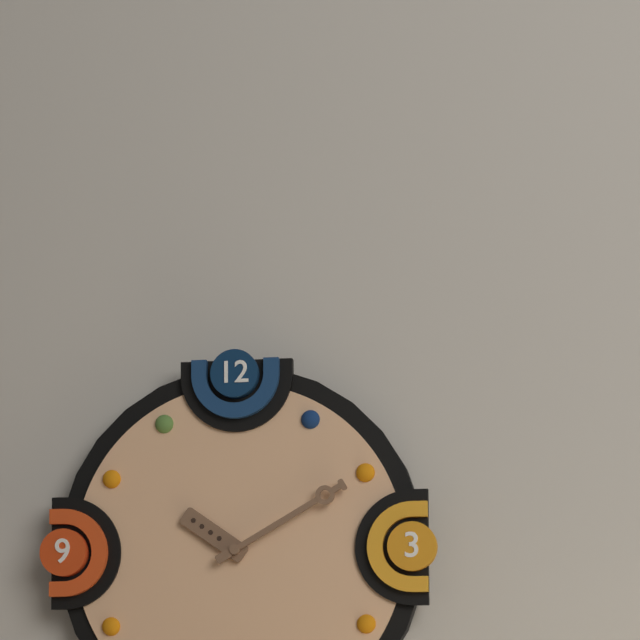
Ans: 10:10
